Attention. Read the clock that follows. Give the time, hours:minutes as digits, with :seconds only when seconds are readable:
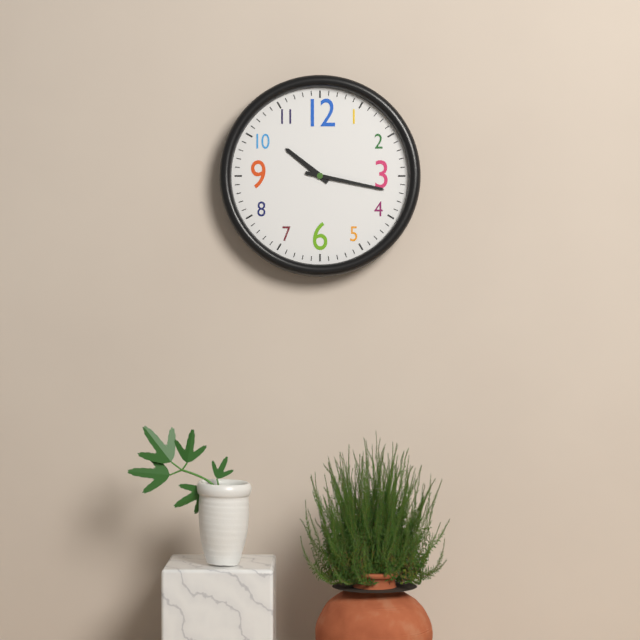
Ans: 10:17
